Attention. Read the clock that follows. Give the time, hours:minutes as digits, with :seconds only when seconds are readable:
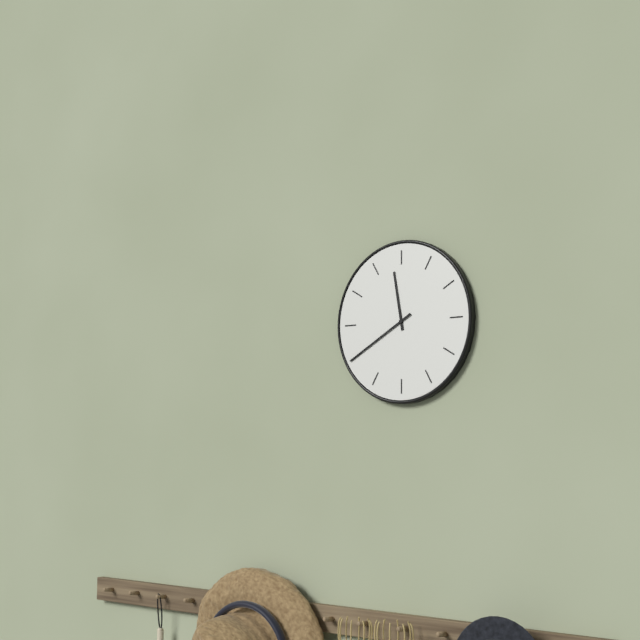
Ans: 11:40
